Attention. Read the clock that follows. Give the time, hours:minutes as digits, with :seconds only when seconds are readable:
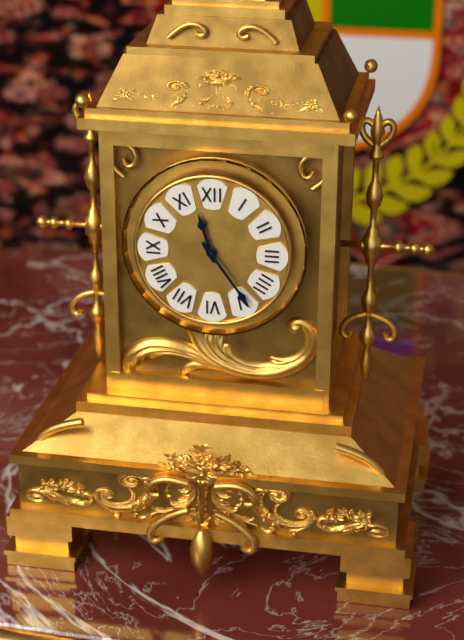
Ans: 11:24
